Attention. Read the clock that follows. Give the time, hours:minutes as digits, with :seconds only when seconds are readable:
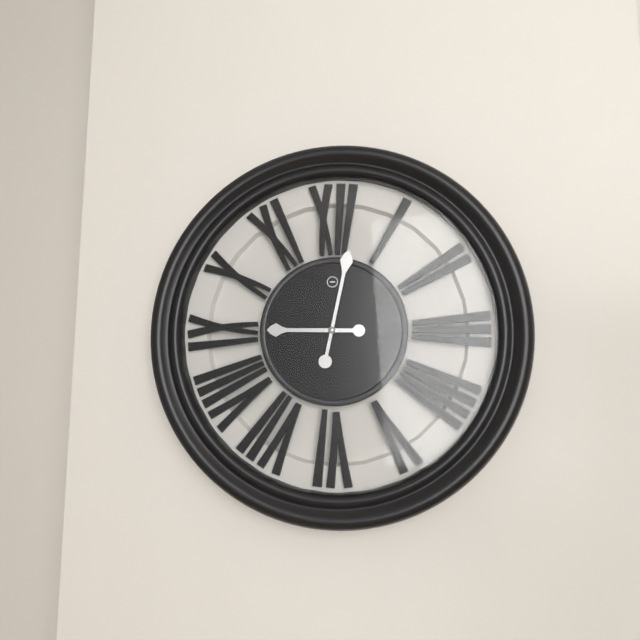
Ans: 9:02
